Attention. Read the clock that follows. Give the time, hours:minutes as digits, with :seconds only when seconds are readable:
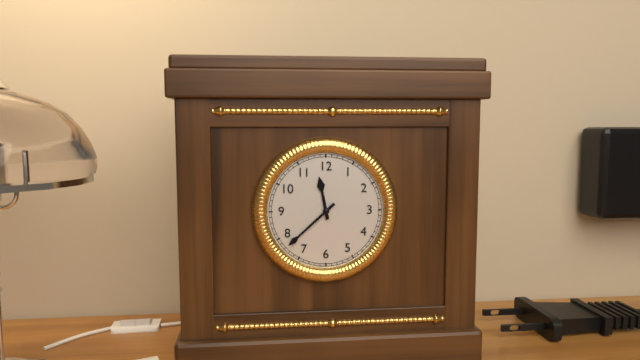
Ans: 11:38
